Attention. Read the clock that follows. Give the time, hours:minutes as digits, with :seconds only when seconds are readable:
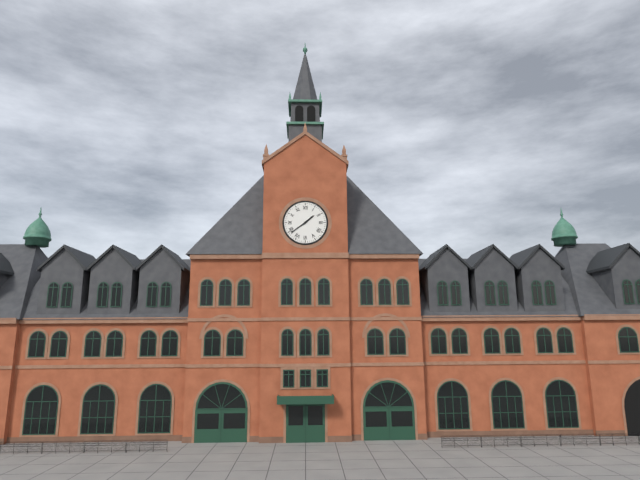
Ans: 1:39
